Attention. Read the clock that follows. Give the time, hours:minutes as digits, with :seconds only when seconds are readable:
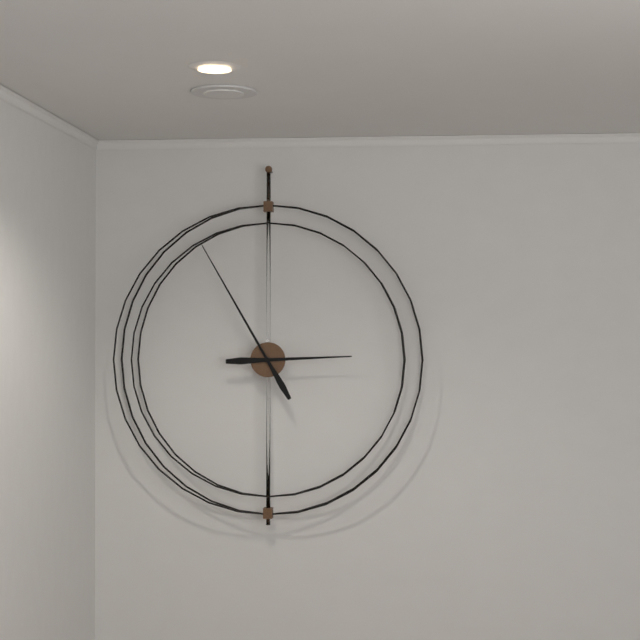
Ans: 2:55
